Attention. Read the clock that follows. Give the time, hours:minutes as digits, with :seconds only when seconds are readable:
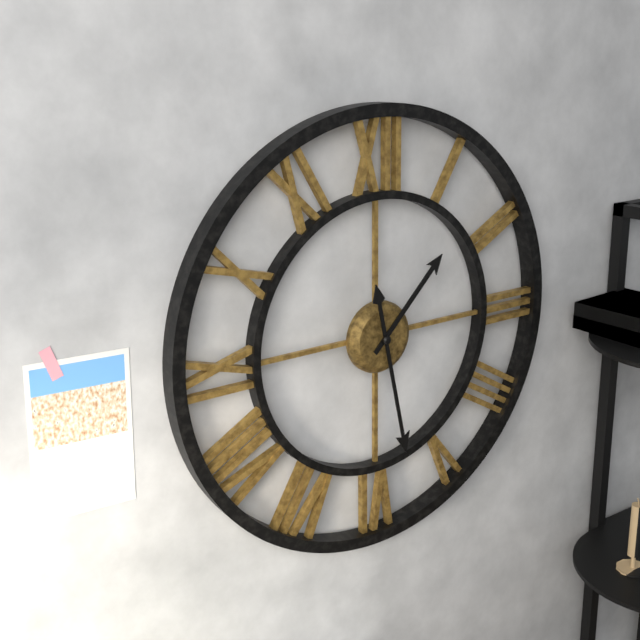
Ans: 1:28
